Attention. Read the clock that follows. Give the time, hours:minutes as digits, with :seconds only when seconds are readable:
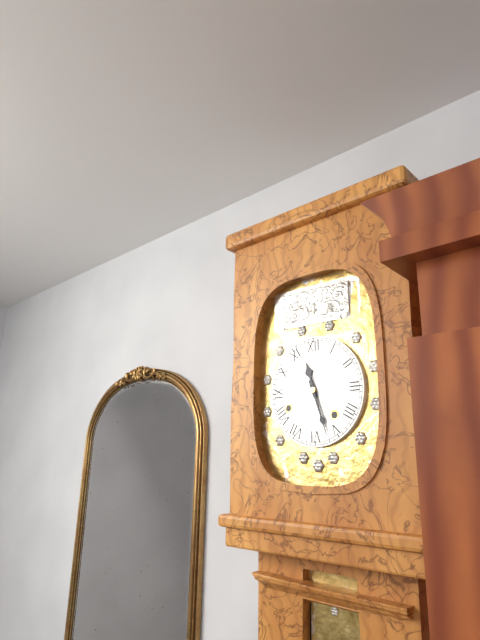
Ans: 11:27
